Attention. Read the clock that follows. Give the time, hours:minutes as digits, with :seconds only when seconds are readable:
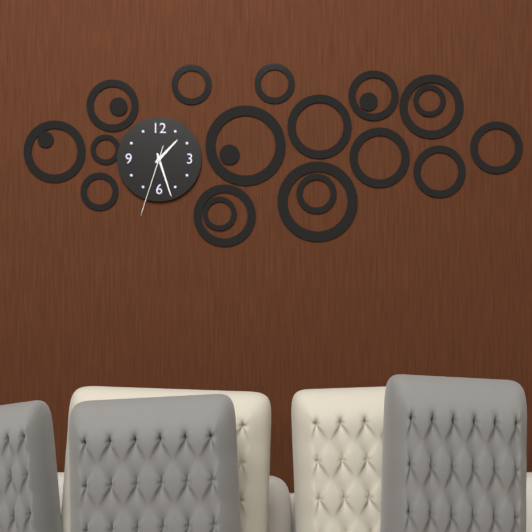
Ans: 1:27:33
